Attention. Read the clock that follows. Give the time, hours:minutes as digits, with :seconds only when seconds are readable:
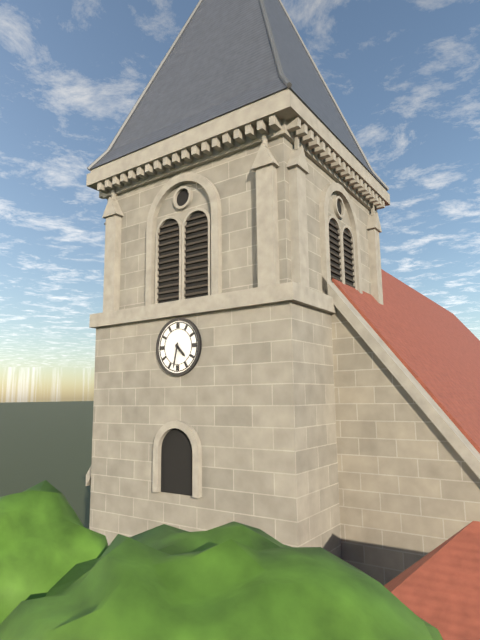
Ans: 4:32
